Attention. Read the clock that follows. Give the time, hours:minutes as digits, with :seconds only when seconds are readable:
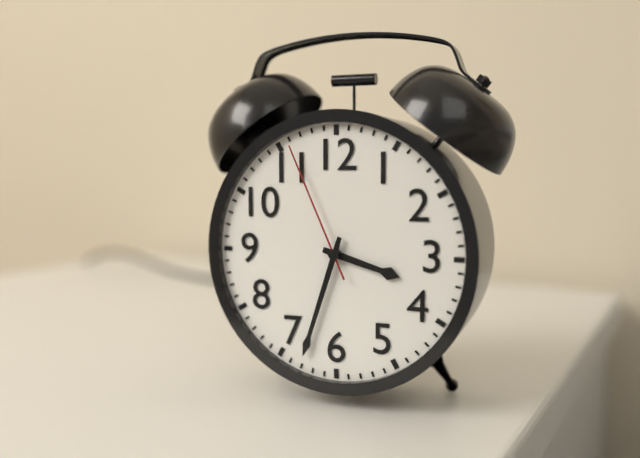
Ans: 3:33:56
